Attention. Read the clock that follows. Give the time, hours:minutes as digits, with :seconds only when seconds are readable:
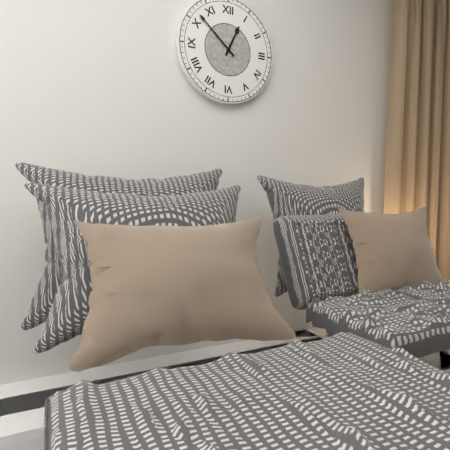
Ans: 12:52
